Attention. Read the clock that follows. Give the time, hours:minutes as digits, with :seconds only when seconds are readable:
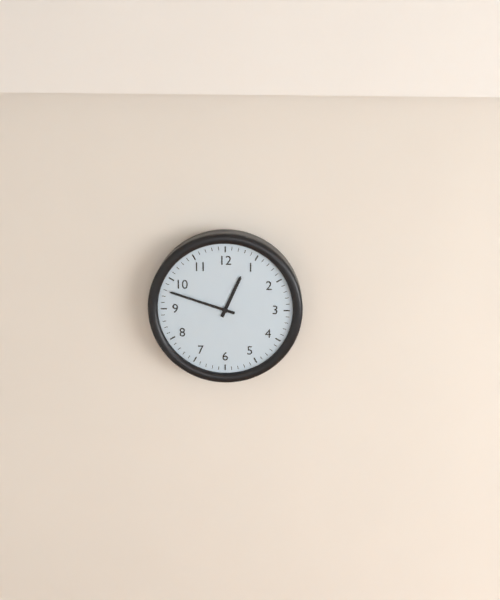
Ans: 12:48
